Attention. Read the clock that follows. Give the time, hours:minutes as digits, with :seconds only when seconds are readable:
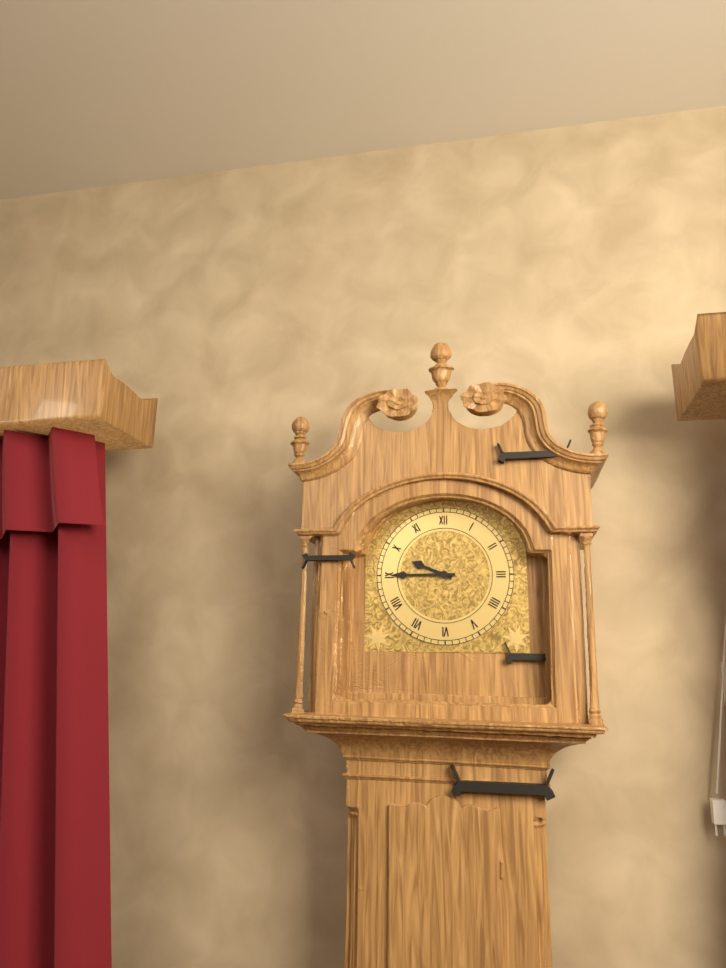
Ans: 9:45
